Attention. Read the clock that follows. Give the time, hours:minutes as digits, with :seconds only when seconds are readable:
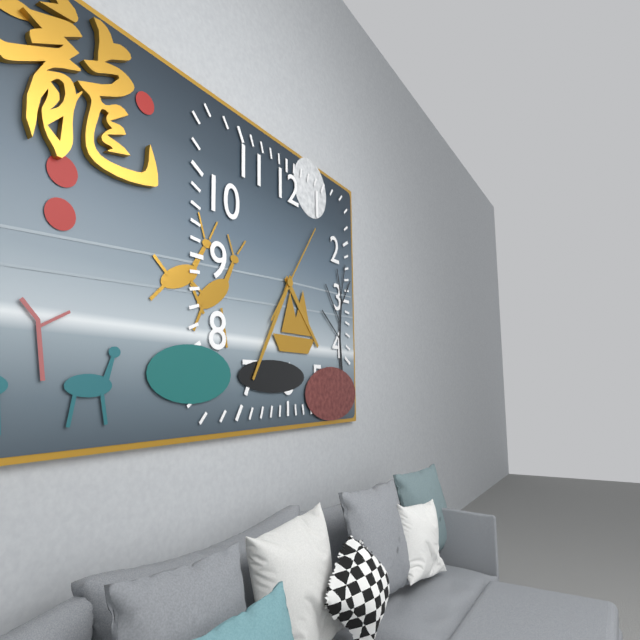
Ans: 4:35:06
